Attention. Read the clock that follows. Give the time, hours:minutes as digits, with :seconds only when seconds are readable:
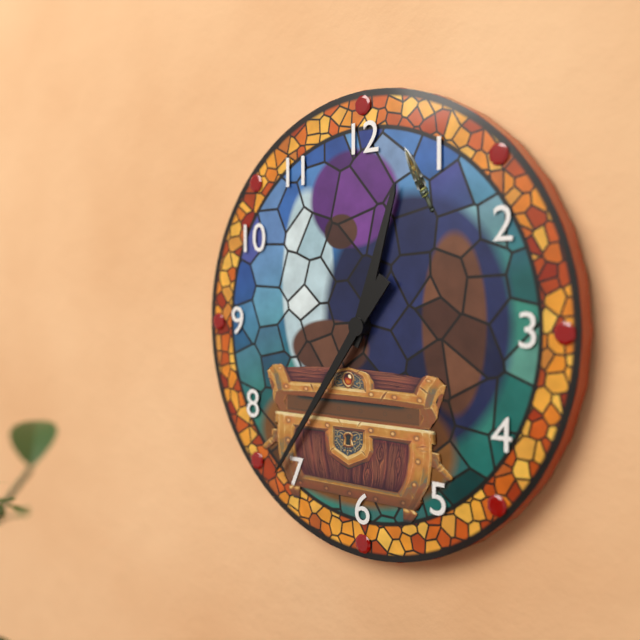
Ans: 12:36
